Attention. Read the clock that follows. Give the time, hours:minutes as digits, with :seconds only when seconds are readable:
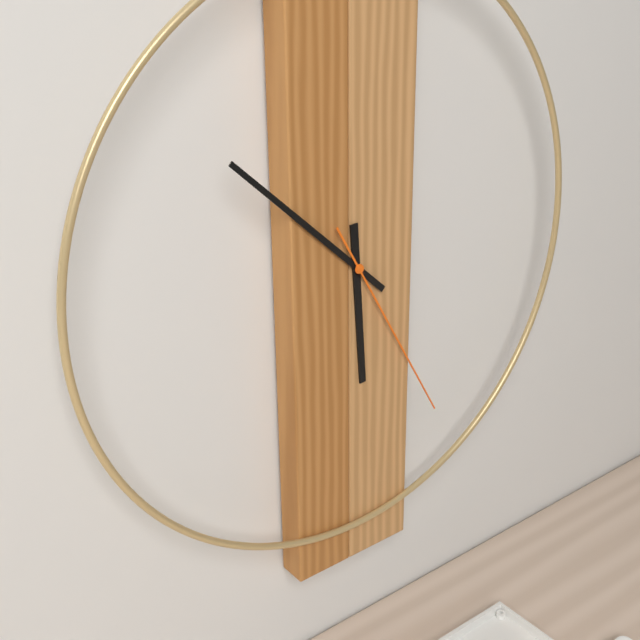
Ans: 5:52:25
